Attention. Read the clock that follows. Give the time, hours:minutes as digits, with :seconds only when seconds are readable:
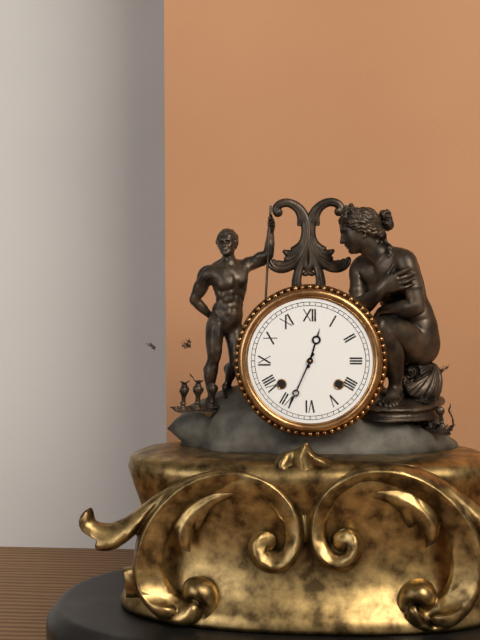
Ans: 12:34
